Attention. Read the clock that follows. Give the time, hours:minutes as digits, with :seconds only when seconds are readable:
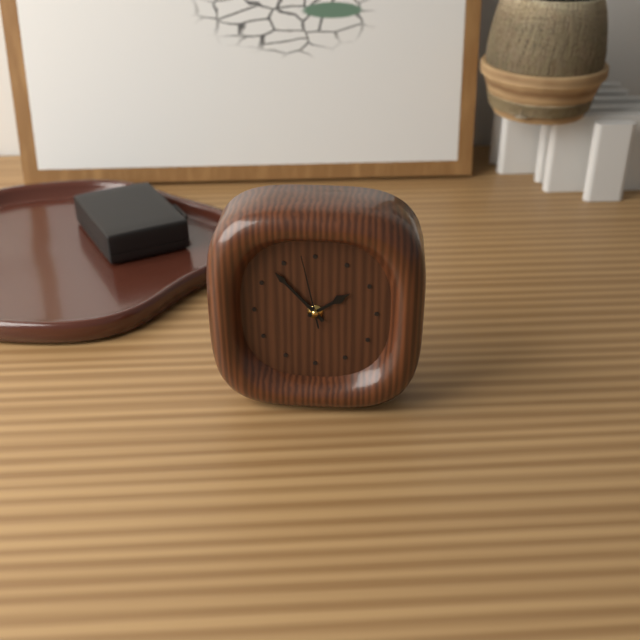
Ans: 1:53:58
